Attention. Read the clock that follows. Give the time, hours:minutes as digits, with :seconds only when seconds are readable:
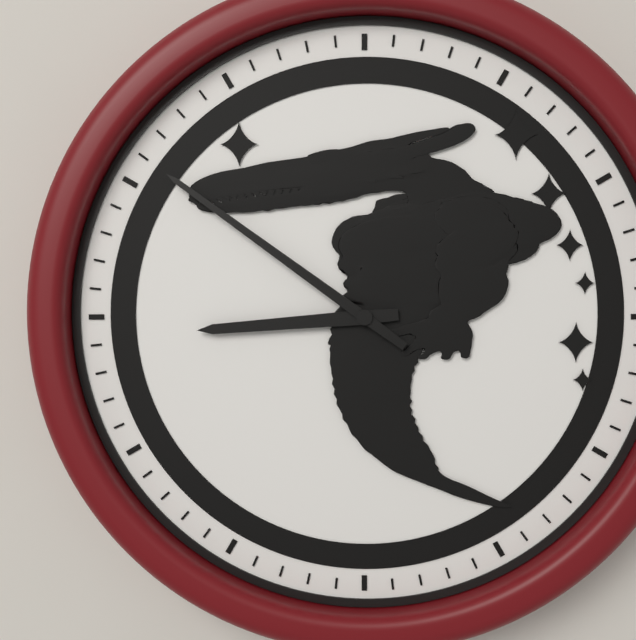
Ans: 8:51
